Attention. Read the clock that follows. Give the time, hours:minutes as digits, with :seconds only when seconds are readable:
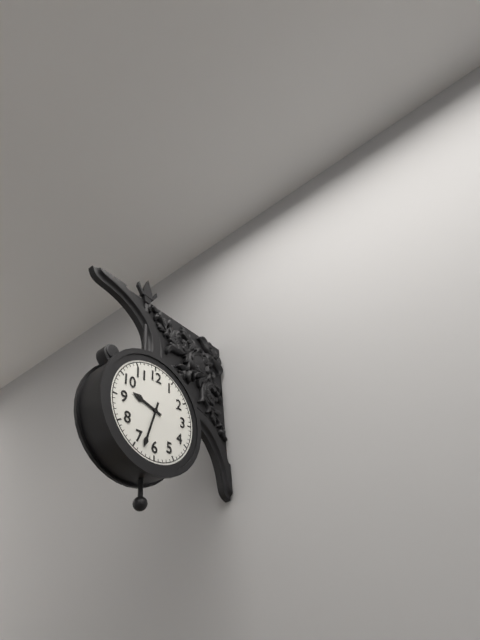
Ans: 9:33
